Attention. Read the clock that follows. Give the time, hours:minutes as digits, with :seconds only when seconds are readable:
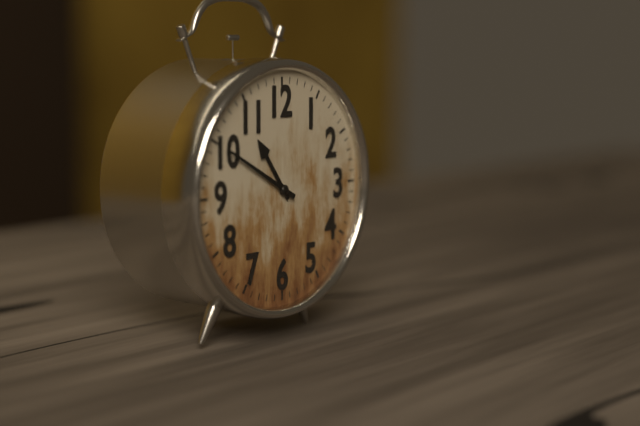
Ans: 10:50
